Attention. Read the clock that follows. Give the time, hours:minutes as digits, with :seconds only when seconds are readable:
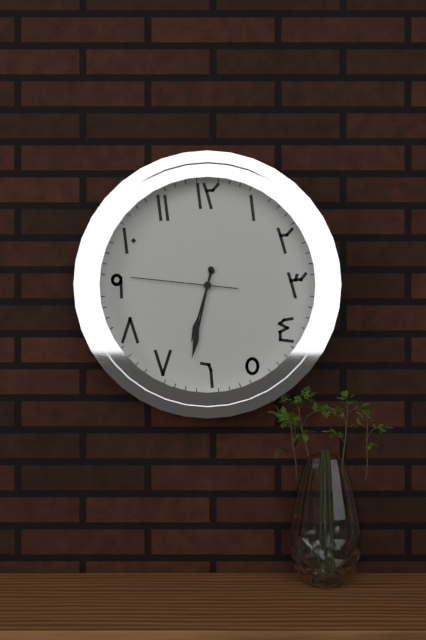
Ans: 6:32:46
